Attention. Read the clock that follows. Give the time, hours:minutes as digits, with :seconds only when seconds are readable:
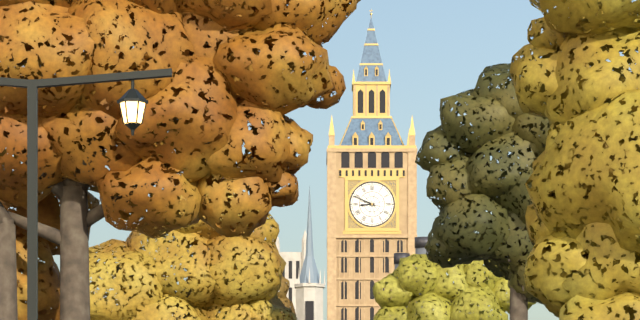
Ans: 8:49
